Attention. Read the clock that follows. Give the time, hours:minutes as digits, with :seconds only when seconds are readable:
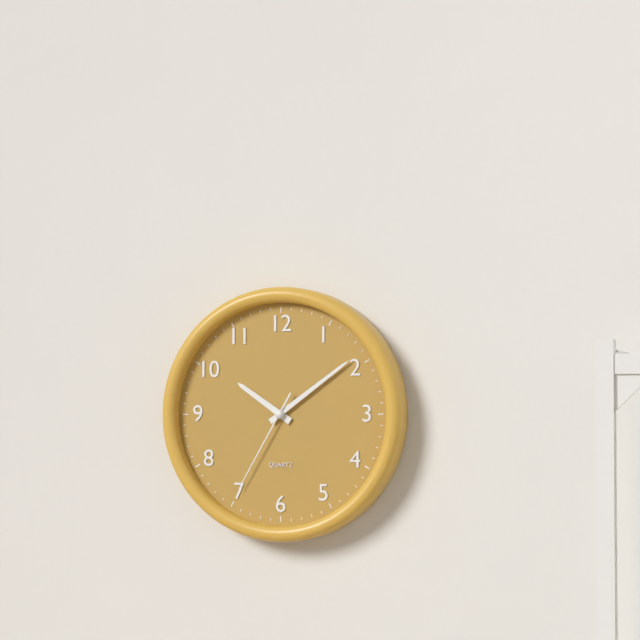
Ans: 10:09:35
